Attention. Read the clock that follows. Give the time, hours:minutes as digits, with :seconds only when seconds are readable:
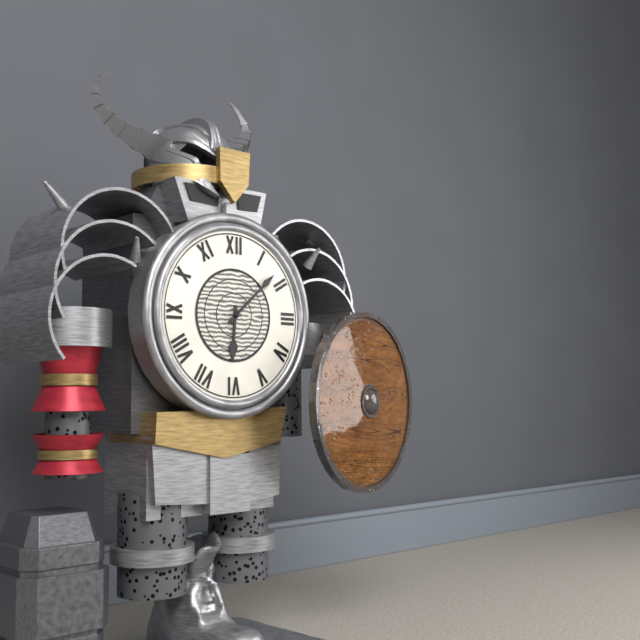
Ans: 6:08
